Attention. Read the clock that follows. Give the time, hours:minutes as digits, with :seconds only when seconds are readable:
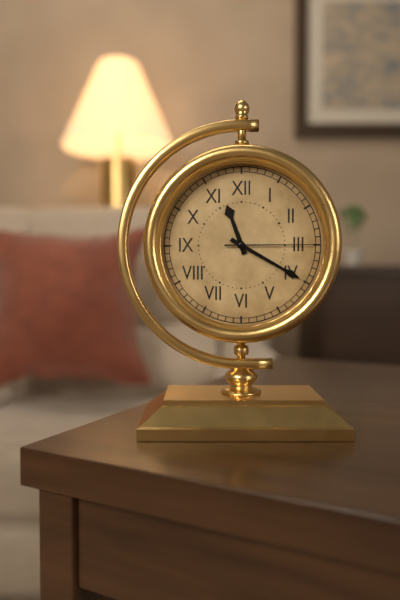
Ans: 11:20:15
